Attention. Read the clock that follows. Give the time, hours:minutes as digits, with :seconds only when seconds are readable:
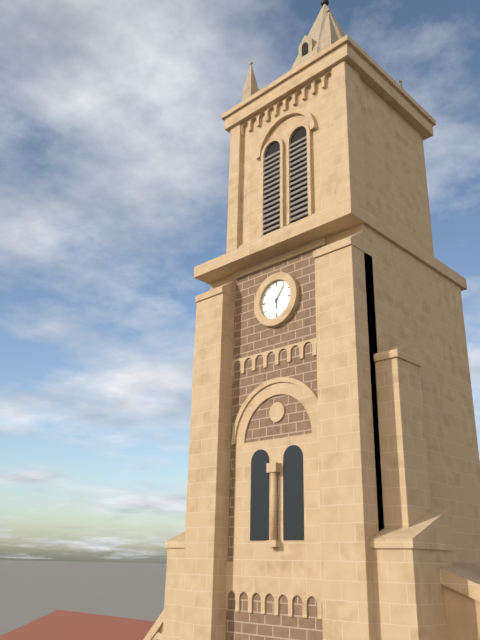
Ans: 6:06
